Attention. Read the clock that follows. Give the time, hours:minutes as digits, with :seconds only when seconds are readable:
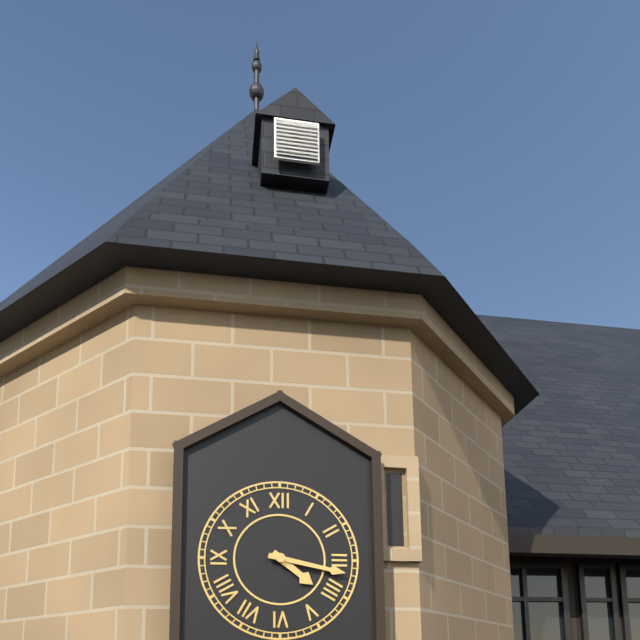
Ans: 4:17
